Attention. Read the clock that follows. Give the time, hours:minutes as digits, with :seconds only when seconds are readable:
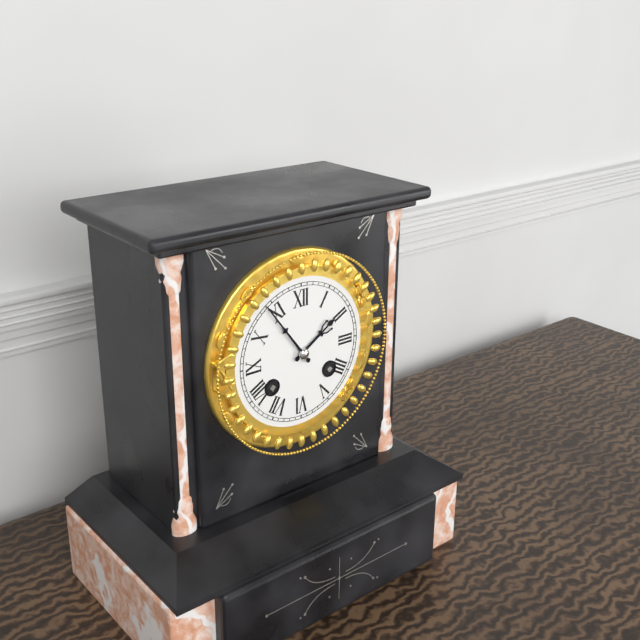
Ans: 1:54
